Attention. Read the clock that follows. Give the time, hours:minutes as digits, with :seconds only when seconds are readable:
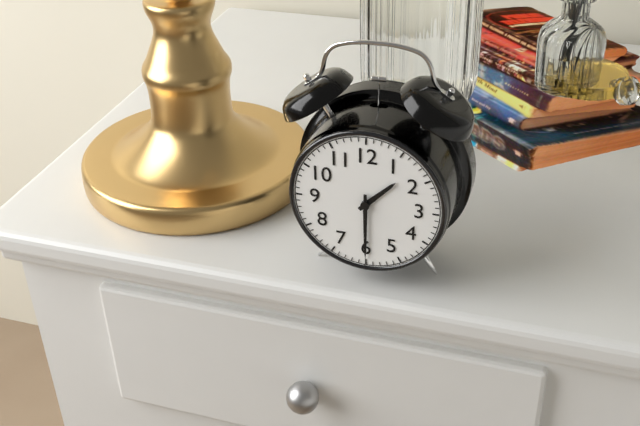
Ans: 1:30
